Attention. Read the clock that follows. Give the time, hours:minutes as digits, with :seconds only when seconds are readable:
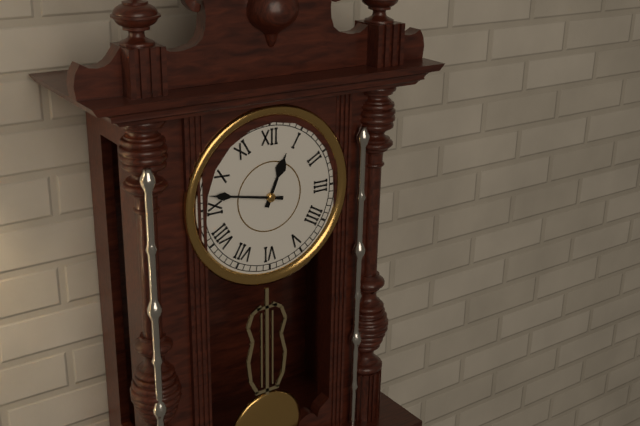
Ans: 12:47
